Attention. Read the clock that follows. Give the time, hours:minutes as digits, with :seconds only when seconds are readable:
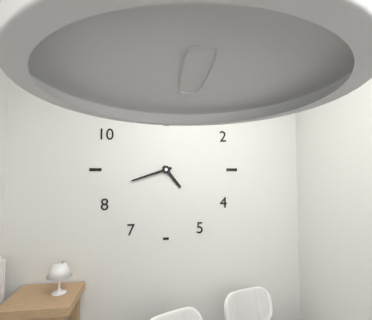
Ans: 4:42
